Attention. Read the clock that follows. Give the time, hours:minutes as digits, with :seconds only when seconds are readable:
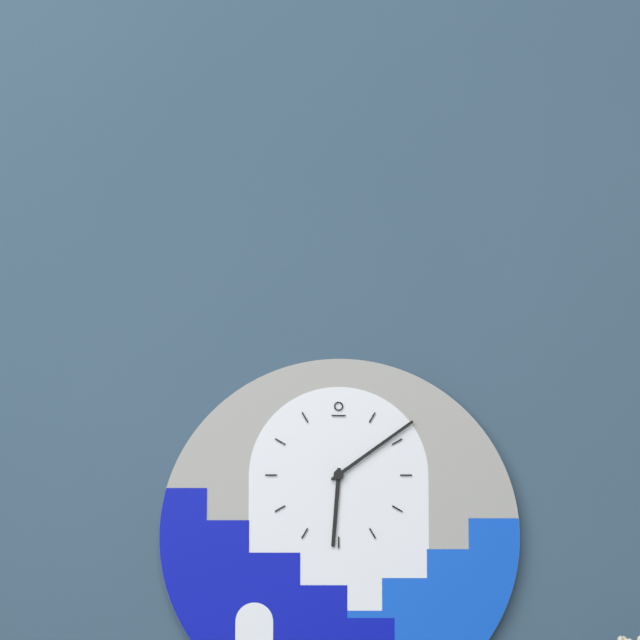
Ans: 6:09
